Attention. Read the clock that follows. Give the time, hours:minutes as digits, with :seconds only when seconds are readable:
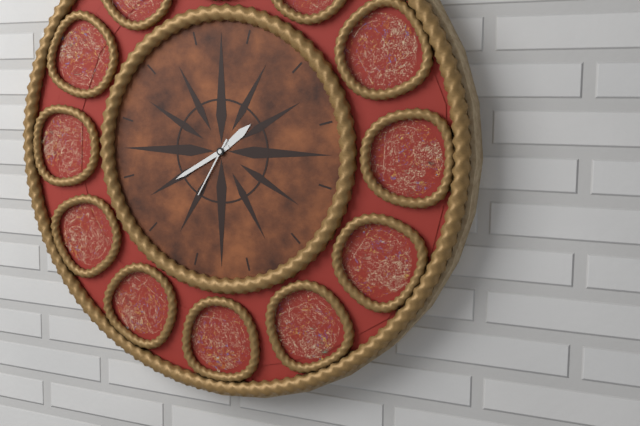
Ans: 1:40:35
